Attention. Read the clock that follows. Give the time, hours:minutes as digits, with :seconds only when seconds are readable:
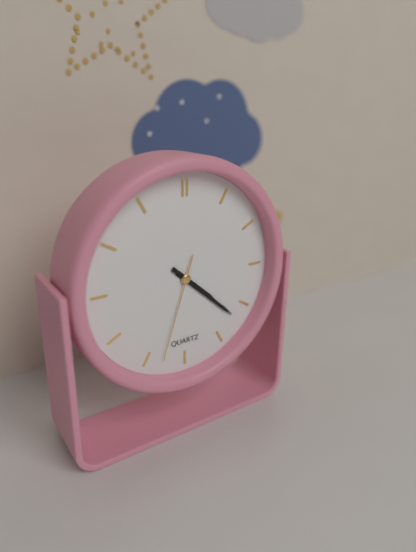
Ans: 4:22:33
